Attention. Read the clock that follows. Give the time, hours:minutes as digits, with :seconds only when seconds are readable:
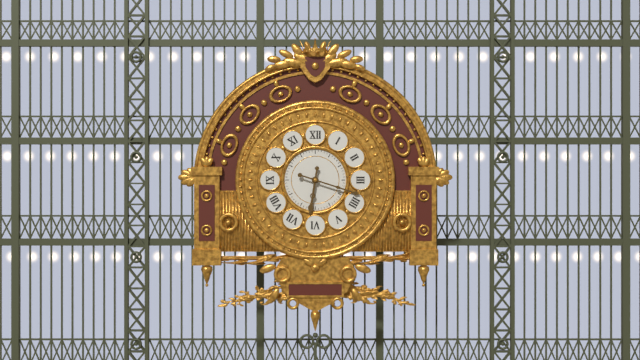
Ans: 6:18
